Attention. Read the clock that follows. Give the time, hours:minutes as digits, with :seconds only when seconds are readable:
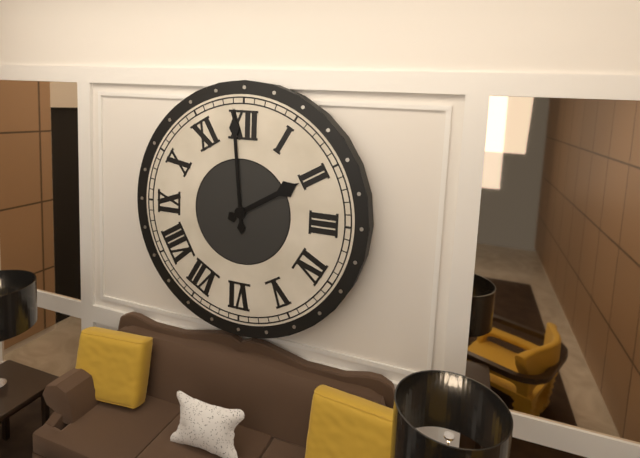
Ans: 1:59
